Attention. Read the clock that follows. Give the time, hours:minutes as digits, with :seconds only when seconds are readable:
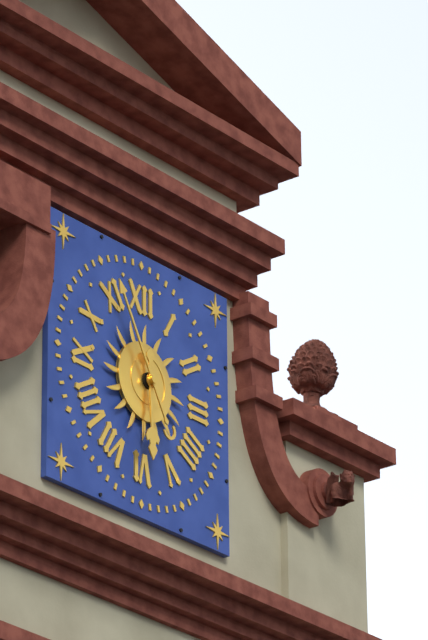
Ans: 5:55
